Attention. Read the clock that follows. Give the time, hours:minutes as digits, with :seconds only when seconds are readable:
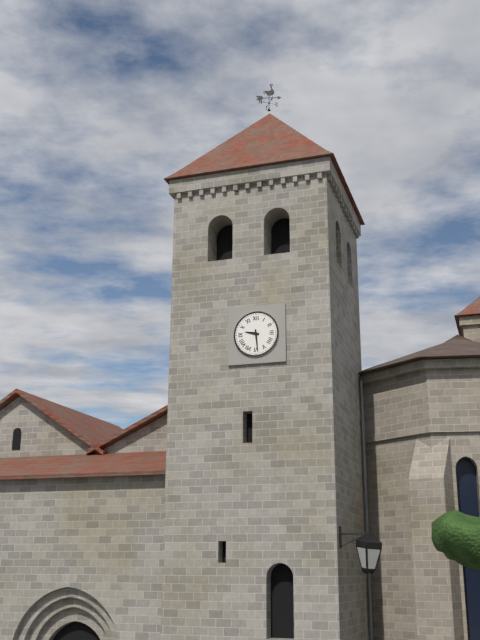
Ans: 9:29
